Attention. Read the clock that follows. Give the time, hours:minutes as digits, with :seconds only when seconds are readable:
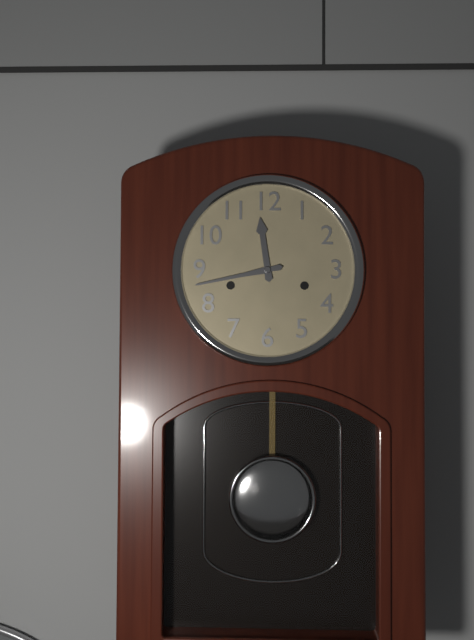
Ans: 11:43
